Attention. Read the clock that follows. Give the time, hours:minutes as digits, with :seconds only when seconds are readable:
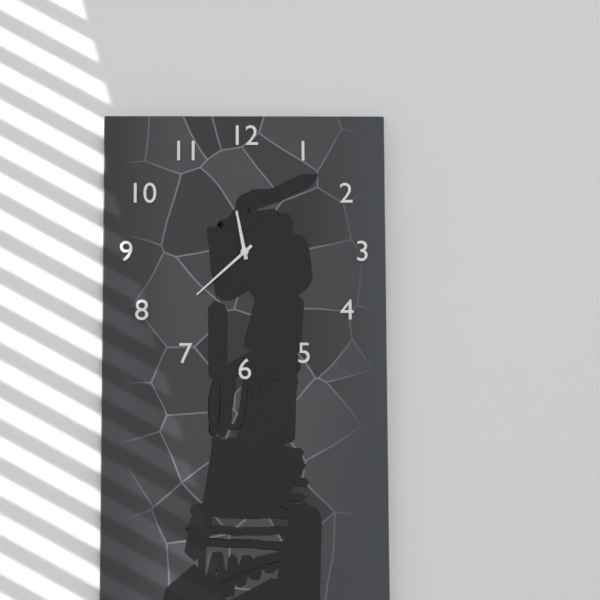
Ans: 11:38
